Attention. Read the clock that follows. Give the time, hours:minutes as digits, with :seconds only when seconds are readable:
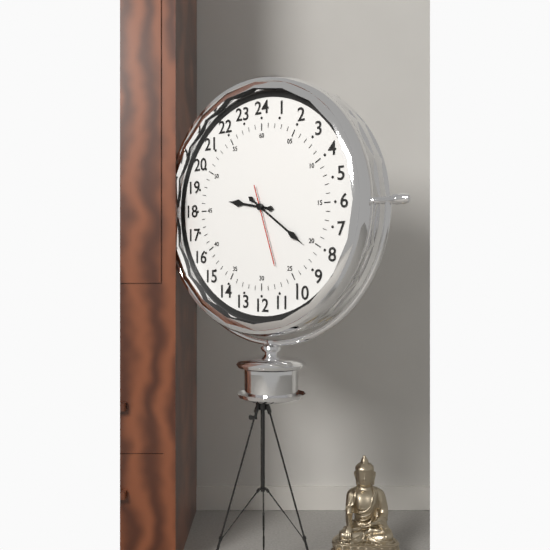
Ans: 9:21:27
